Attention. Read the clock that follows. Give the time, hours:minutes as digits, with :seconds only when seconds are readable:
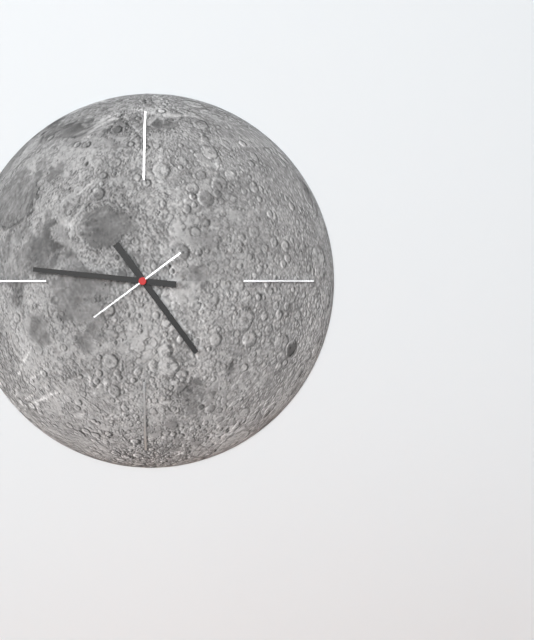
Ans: 4:46:39
